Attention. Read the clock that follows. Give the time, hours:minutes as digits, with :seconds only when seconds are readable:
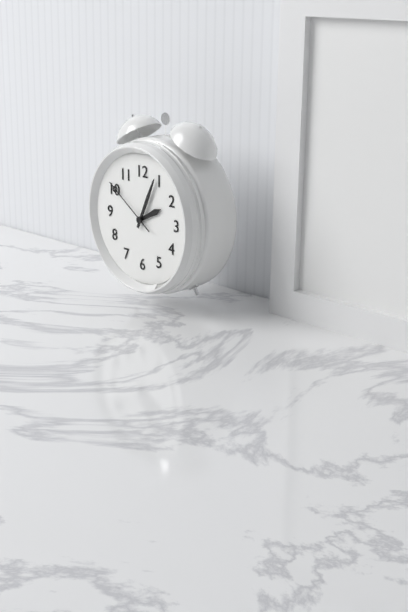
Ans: 2:04:51
